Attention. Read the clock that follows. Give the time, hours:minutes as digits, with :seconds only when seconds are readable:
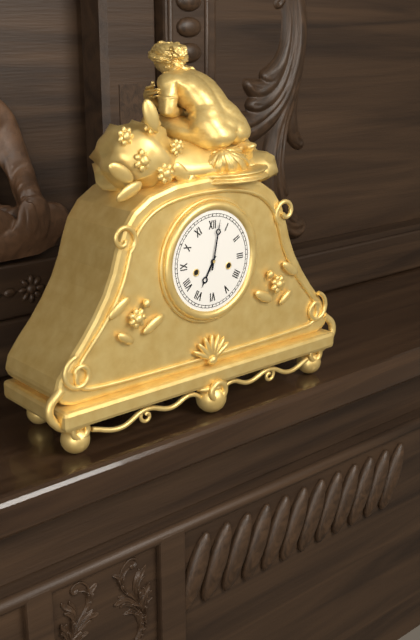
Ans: 7:02
